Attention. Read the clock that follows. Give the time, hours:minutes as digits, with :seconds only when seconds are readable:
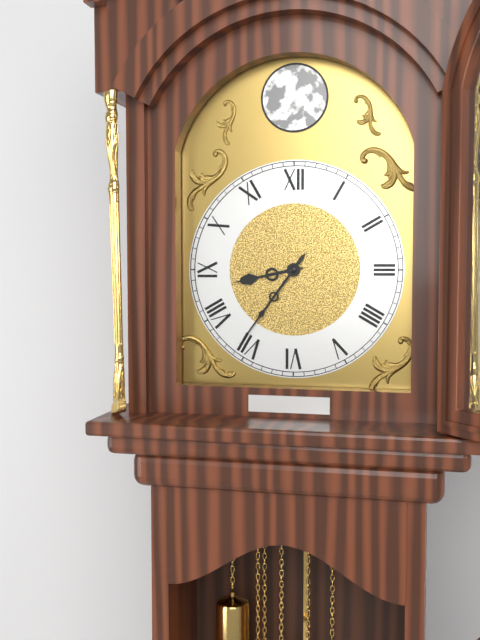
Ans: 8:36
